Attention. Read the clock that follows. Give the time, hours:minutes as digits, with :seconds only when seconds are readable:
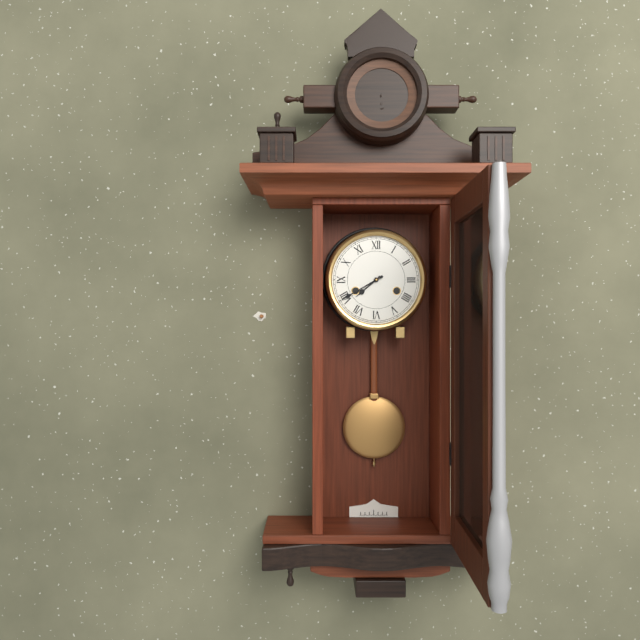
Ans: 7:40
